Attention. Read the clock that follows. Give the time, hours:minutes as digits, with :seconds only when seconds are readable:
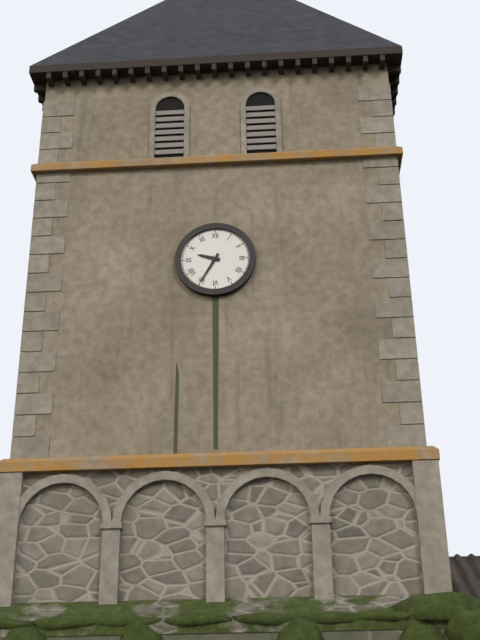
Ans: 9:35
